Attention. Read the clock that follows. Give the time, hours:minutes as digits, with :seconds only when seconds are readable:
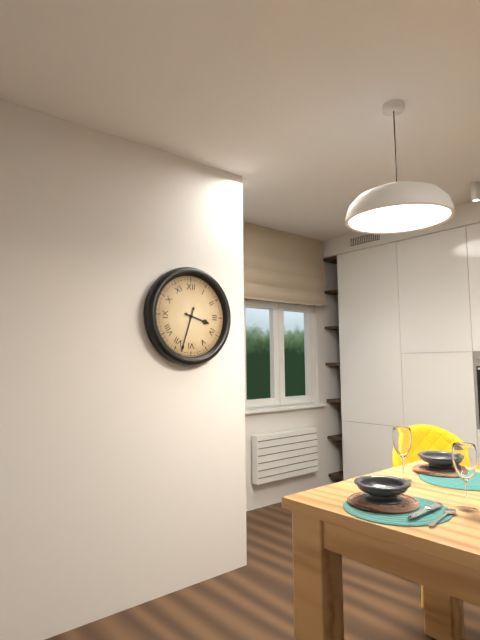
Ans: 3:33
